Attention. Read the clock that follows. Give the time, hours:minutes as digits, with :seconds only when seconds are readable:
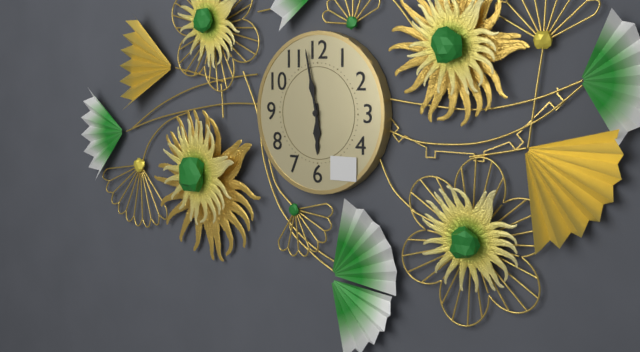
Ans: 5:58
